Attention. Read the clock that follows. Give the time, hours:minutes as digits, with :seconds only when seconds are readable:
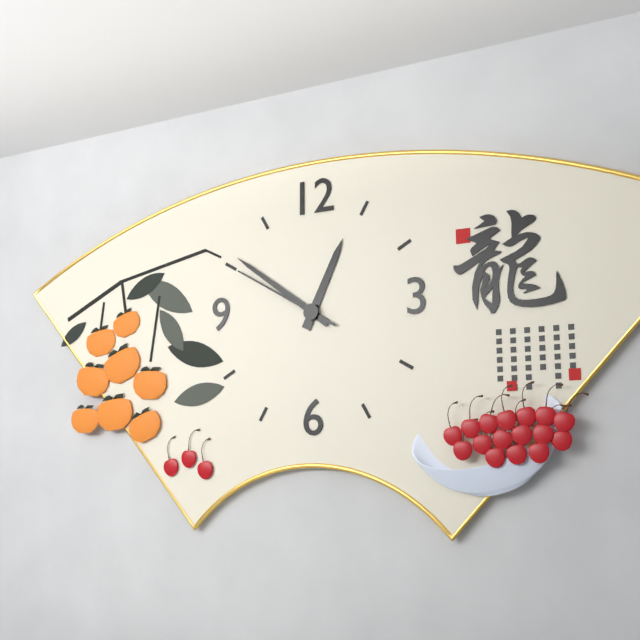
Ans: 12:51:50
